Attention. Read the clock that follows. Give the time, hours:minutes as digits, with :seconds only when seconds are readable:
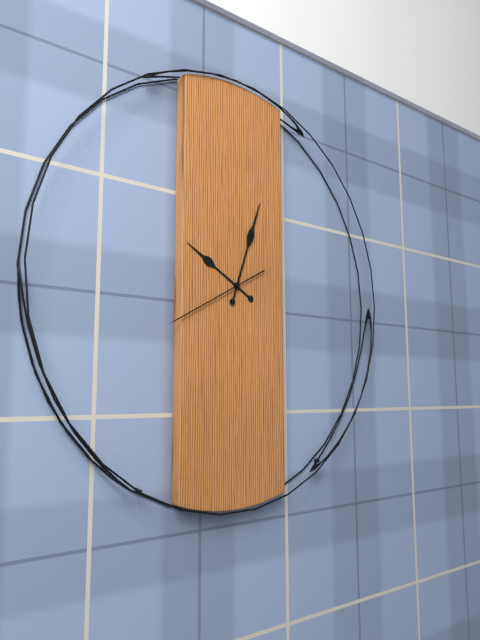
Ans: 10:03:40
